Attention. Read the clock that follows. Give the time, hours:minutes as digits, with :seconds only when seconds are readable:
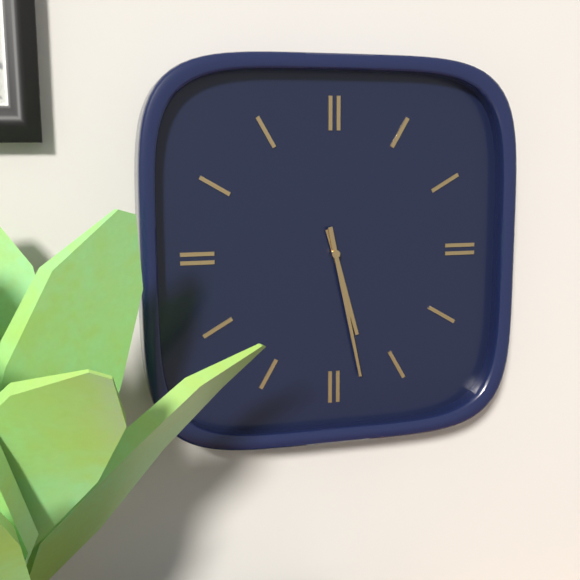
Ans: 5:28
